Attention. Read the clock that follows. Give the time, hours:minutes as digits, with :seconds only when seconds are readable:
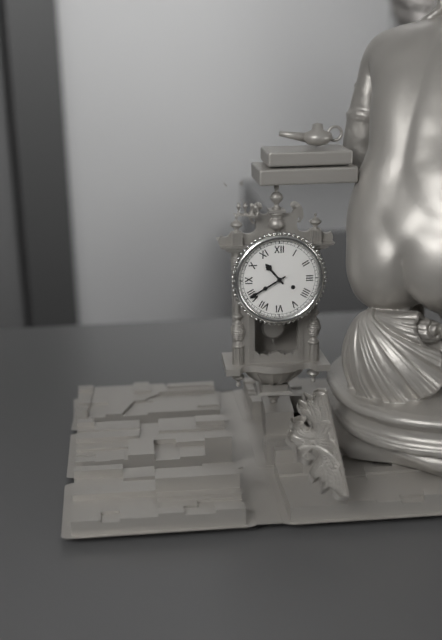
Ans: 10:40
